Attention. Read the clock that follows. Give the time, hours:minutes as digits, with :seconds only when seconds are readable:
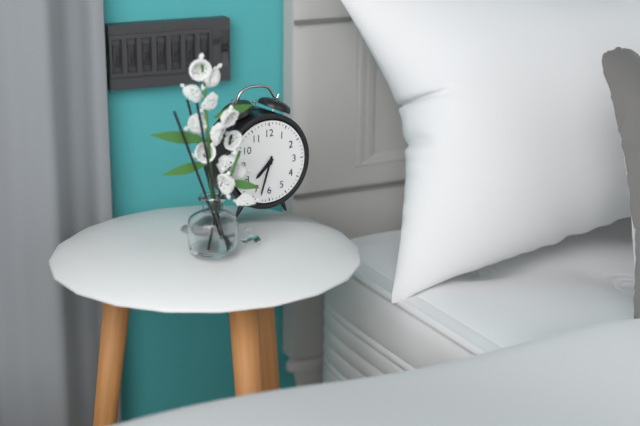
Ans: 7:33
